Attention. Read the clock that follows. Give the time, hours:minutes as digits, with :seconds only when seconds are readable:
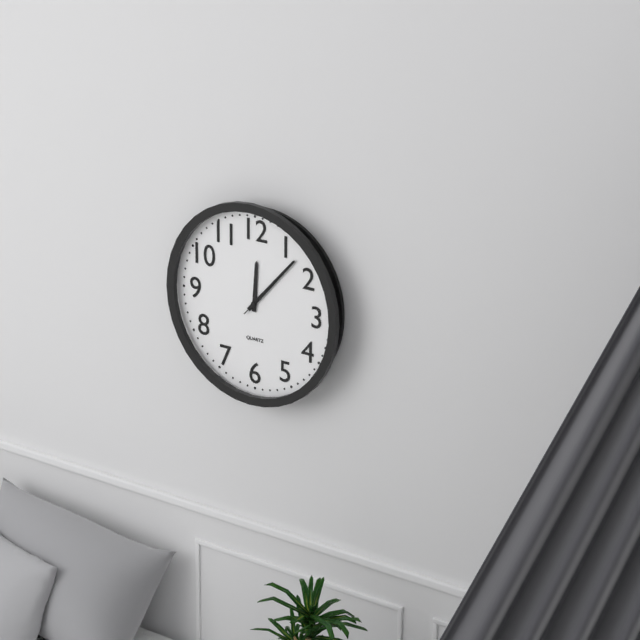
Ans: 12:07:07
